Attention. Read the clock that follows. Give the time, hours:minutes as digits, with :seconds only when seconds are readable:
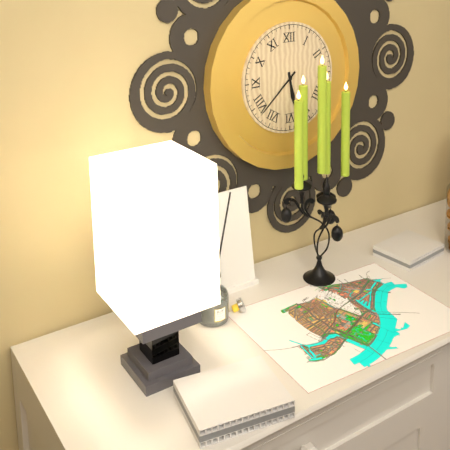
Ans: 5:38
